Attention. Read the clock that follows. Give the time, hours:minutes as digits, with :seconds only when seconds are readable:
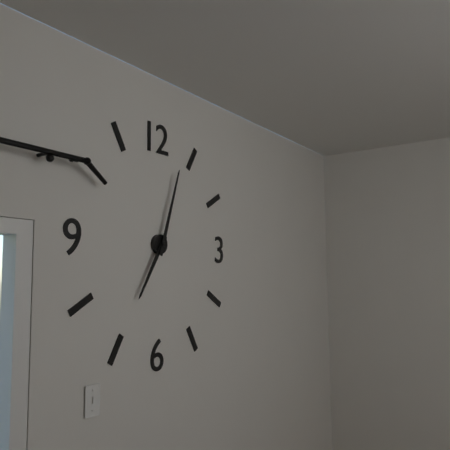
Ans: 7:03
